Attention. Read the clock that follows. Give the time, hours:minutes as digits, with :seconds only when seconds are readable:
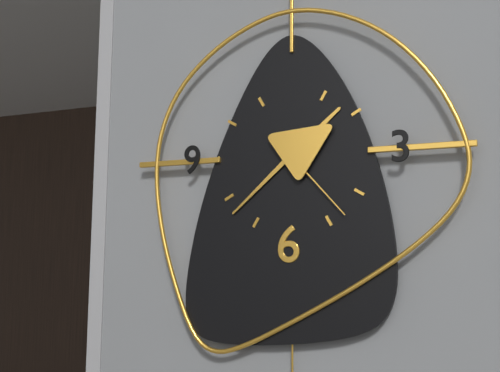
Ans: 1:38:23
